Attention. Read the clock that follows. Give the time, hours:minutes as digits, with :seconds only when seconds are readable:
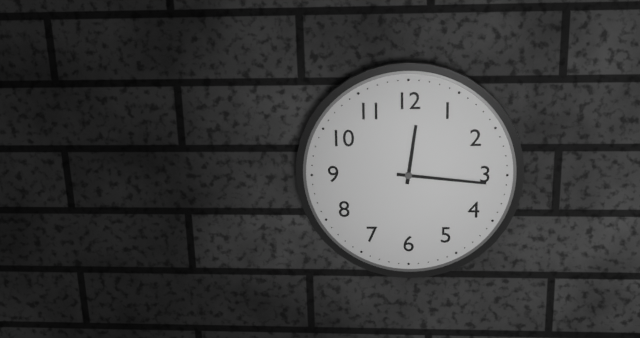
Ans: 12:16
